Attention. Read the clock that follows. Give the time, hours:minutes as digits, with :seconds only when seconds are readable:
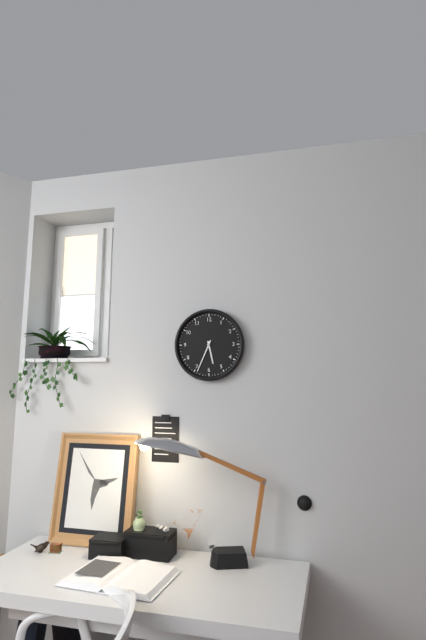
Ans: 5:34
